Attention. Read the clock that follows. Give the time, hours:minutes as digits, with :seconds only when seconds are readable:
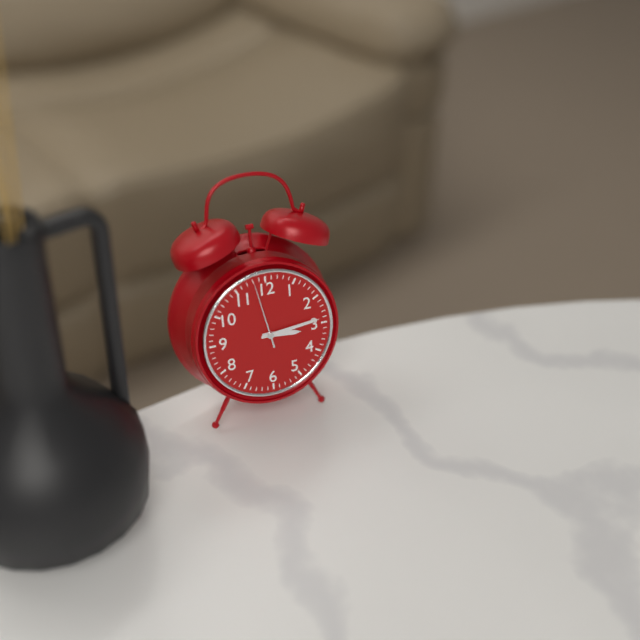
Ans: 3:14:58
